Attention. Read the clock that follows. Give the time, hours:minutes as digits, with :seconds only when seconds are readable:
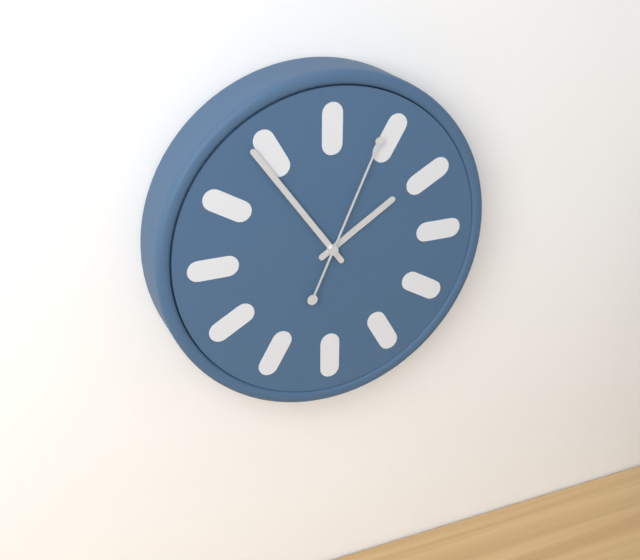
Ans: 1:54:04
